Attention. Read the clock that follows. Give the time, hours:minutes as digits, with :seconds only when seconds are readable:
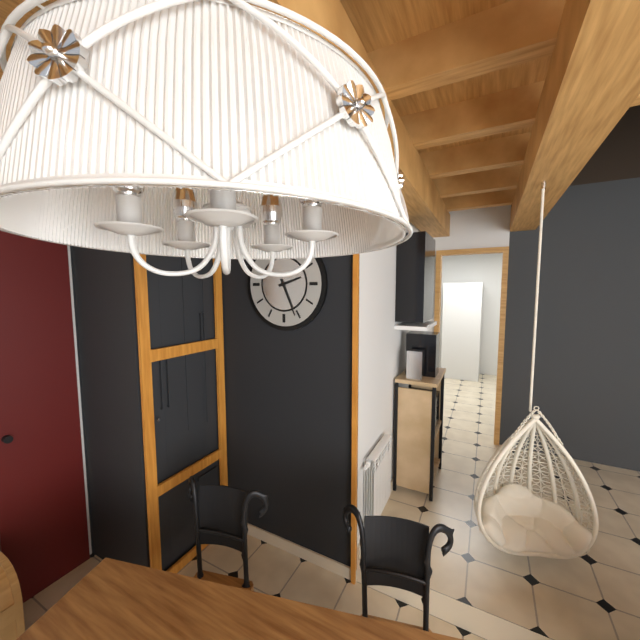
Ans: 2:26
